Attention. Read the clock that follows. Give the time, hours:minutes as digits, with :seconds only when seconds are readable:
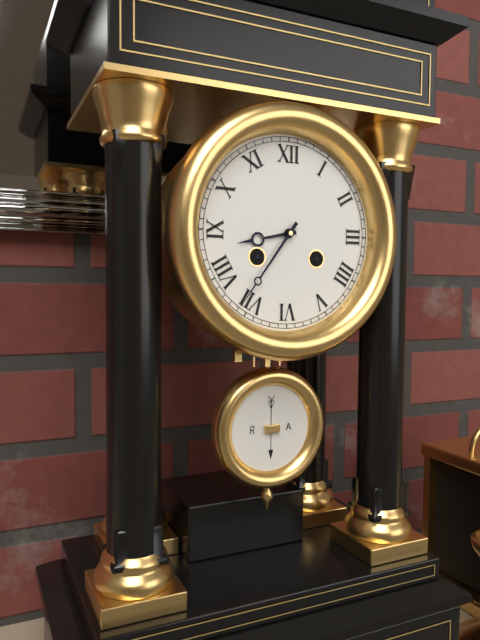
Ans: 8:36
